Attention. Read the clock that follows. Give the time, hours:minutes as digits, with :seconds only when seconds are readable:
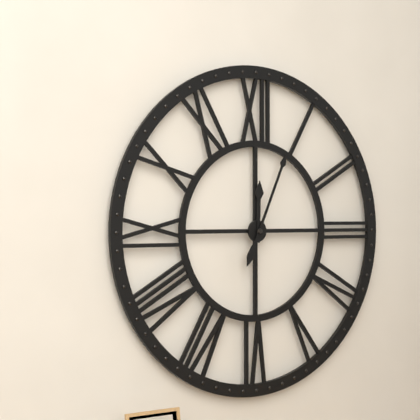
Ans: 12:04
